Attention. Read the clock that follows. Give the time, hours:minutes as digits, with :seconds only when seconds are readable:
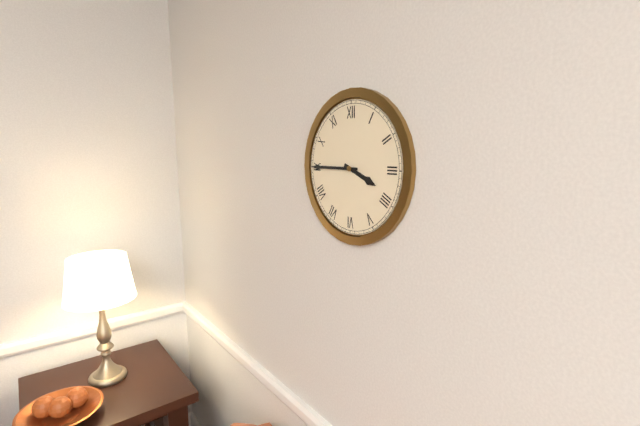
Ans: 3:45
